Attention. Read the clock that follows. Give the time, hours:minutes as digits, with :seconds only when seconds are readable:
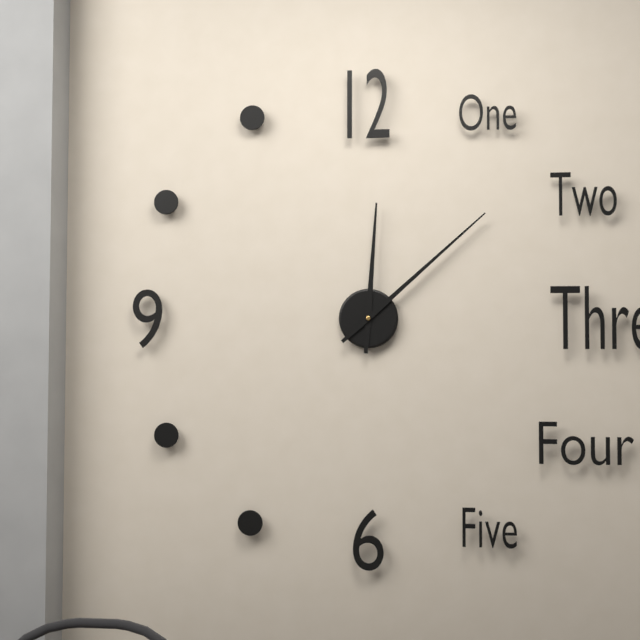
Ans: 12:08
